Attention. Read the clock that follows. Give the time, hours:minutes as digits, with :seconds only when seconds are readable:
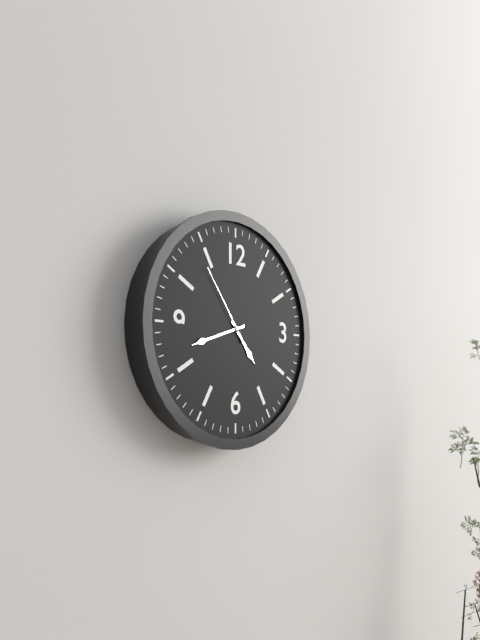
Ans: 4:42:54
